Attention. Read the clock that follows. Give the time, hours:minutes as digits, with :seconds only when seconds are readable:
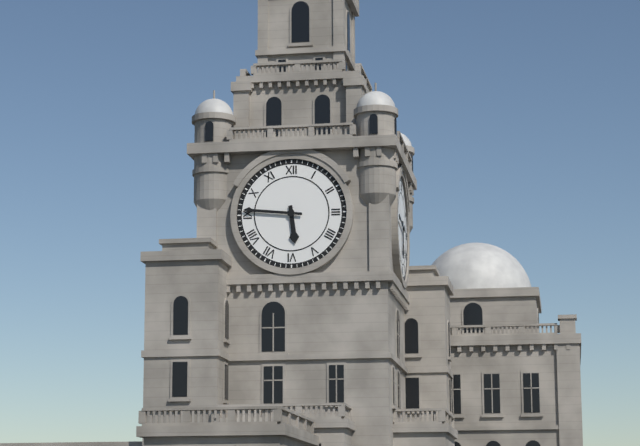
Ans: 5:46
